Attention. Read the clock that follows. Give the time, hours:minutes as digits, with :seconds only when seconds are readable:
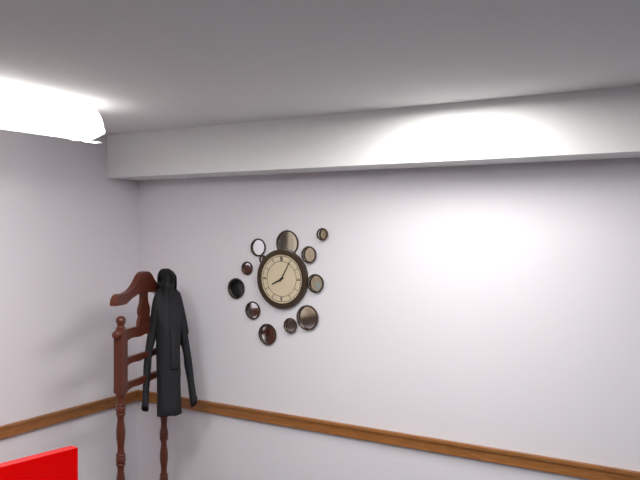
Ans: 8:05
